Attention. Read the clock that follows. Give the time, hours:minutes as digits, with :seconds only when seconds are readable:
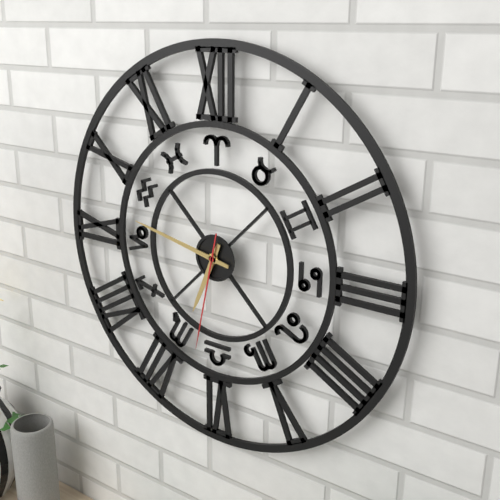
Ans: 6:47:32
